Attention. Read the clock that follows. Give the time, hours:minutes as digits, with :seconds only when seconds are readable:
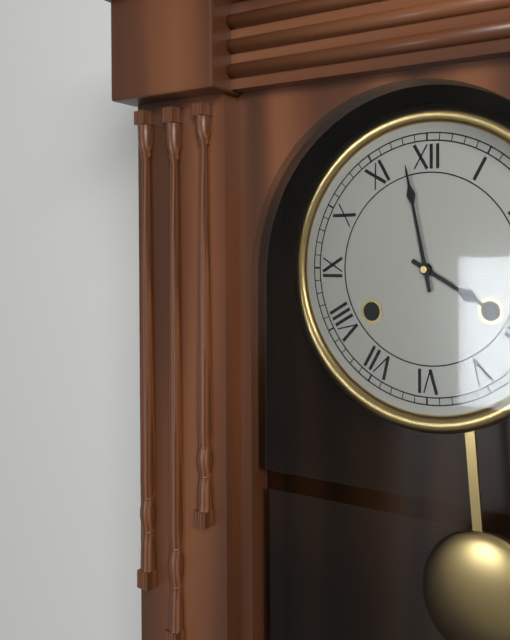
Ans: 3:58
